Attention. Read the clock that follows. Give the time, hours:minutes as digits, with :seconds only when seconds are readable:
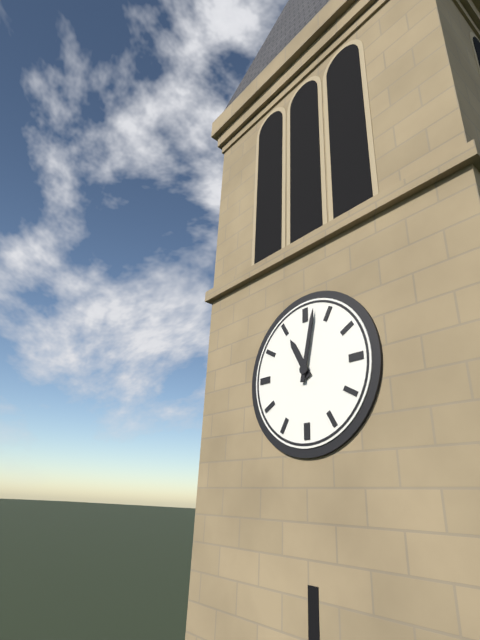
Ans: 11:02
